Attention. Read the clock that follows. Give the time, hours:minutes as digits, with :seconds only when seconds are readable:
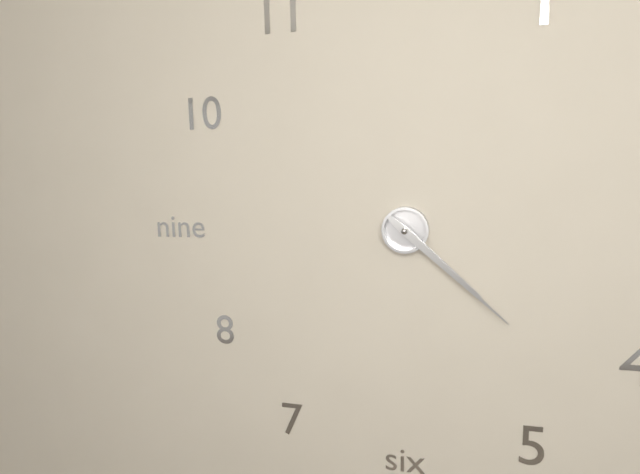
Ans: 4:22
